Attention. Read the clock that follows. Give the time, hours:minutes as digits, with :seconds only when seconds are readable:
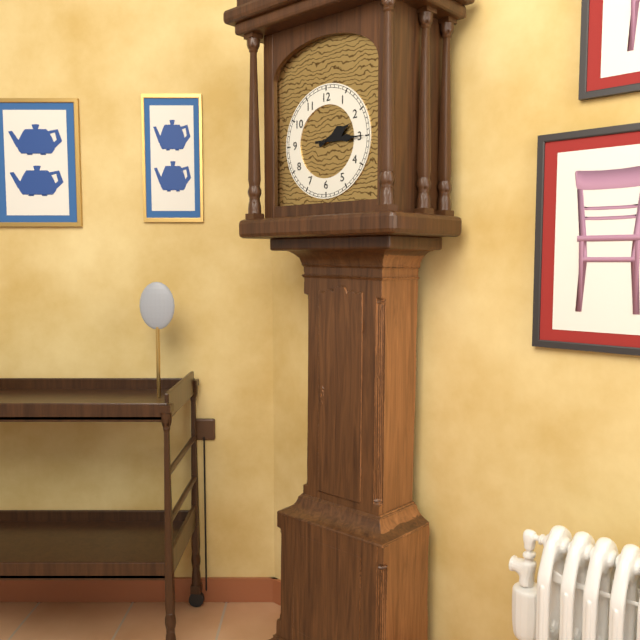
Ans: 2:15
